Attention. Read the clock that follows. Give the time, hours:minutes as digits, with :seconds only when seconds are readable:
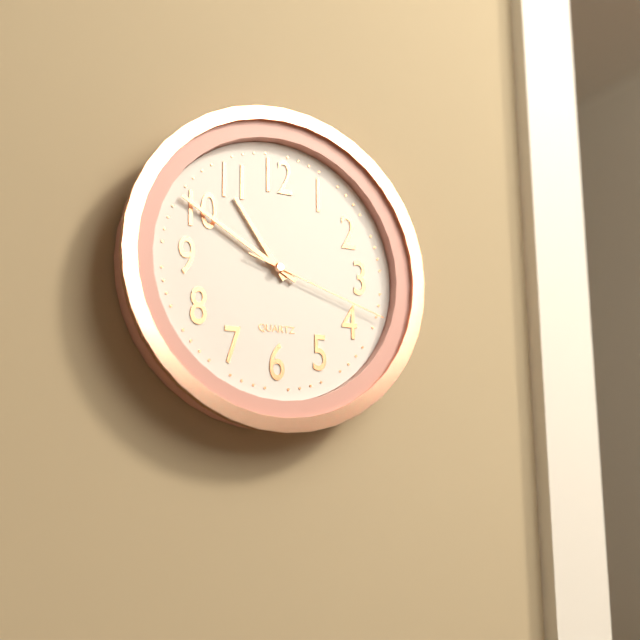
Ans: 10:50:18
